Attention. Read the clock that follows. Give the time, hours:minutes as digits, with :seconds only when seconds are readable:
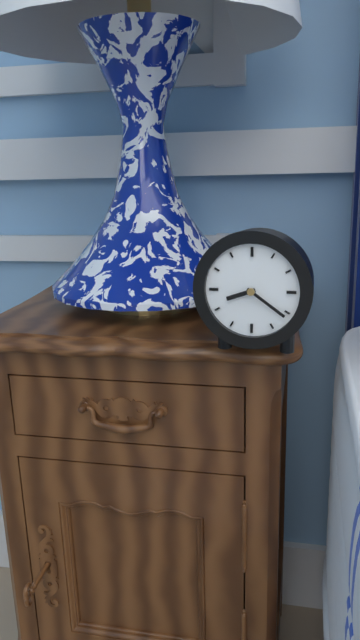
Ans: 8:21
